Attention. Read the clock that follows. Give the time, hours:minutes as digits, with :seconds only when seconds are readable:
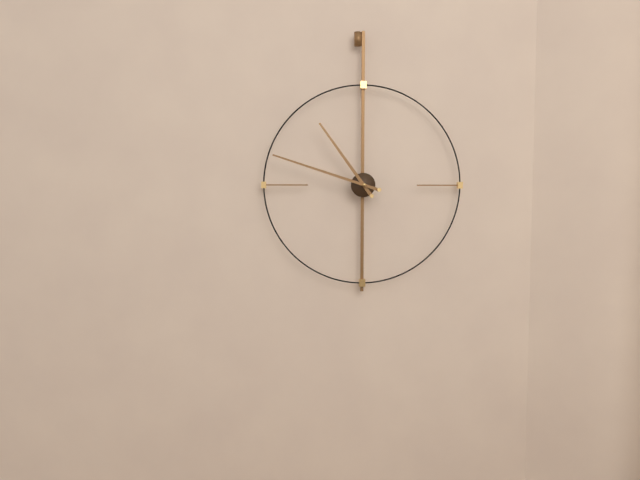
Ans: 10:48
